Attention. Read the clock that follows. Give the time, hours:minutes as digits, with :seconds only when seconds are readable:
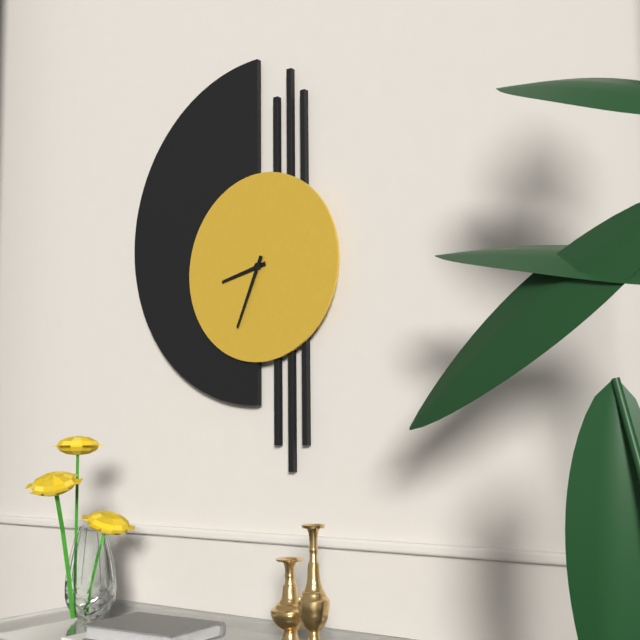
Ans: 8:34
